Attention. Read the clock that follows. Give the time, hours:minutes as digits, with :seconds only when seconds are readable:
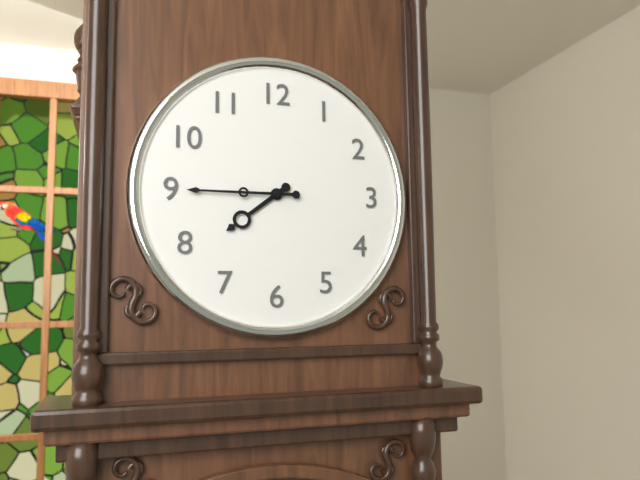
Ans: 7:45
